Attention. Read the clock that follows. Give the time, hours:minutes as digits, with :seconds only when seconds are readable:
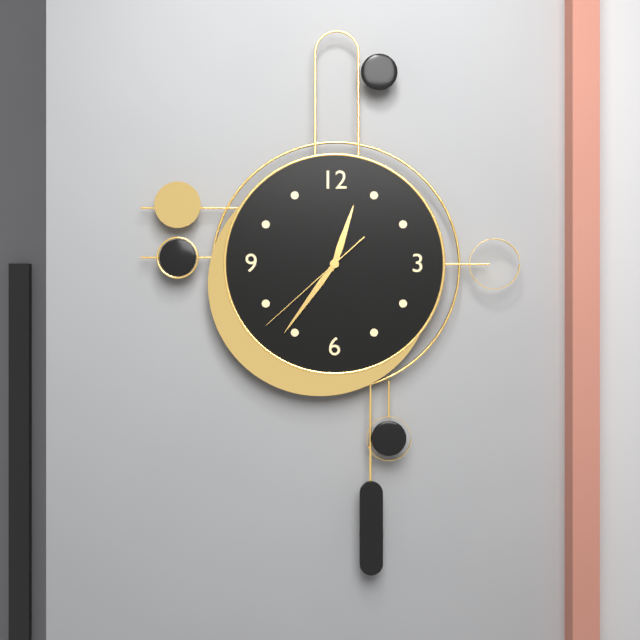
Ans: 12:36:38
